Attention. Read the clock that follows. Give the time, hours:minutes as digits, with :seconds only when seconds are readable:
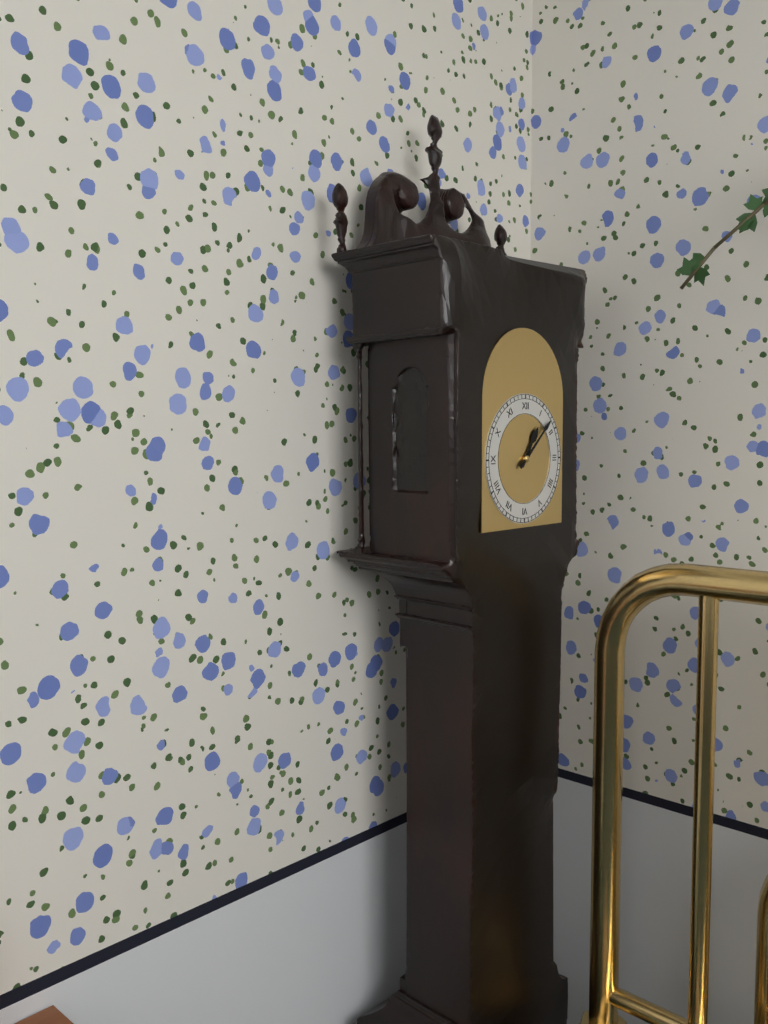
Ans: 1:08
